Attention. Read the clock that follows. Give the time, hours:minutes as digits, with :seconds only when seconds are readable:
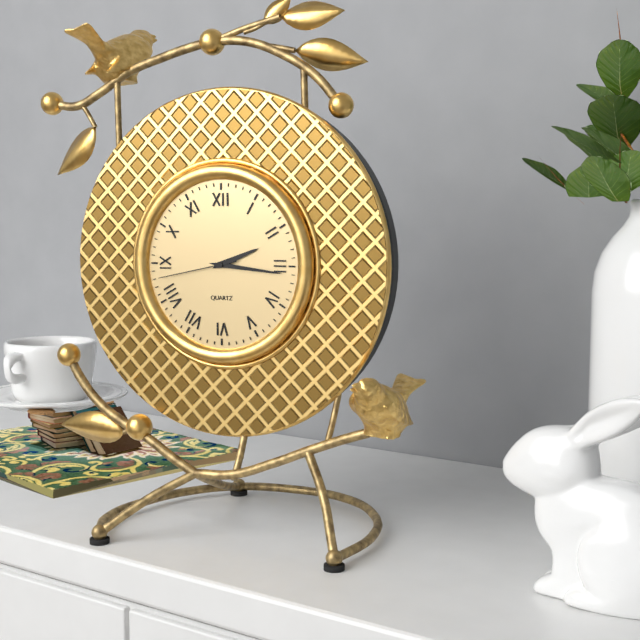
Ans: 2:16:43
